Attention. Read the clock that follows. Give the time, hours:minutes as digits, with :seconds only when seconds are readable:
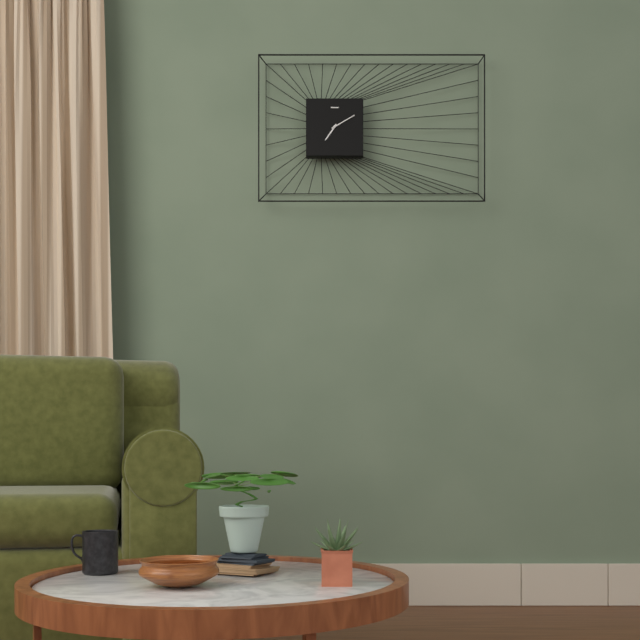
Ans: 7:10
